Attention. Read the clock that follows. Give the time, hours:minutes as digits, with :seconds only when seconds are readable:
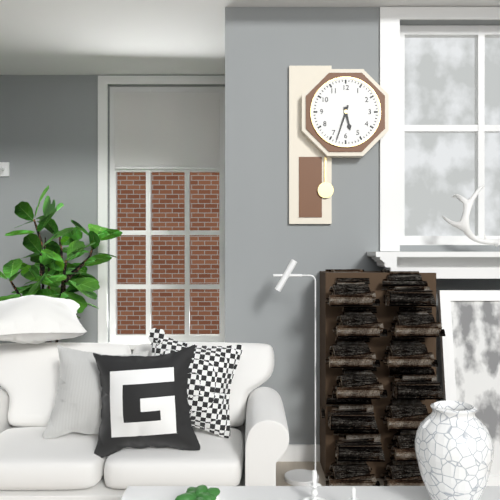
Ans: 5:33
